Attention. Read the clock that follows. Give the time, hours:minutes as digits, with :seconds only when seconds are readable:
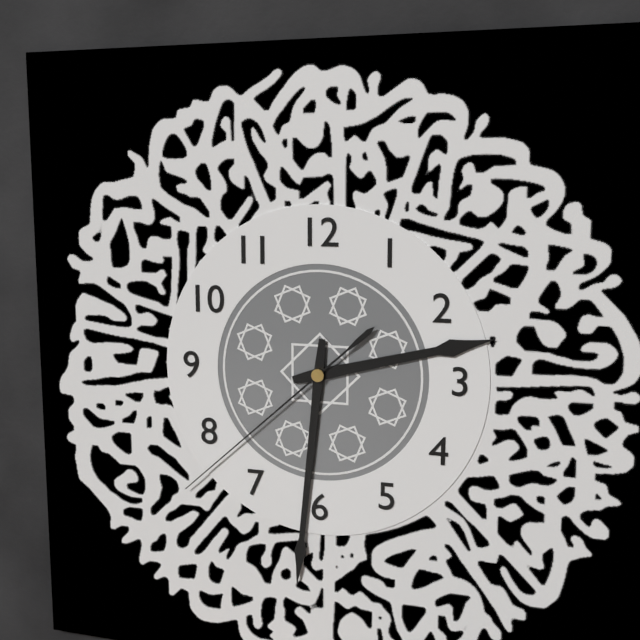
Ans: 2:31:38
